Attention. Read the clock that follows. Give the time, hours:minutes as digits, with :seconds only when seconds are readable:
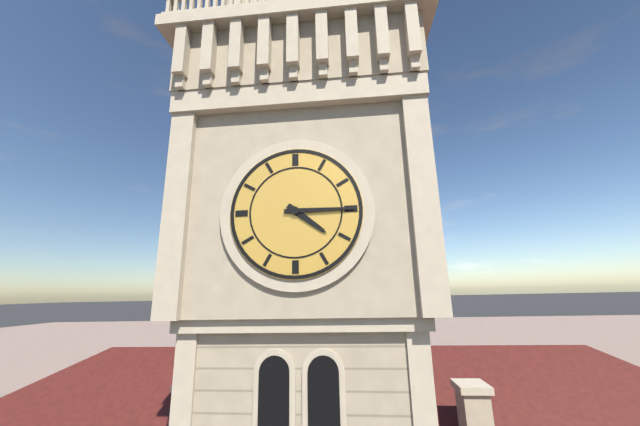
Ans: 4:15
